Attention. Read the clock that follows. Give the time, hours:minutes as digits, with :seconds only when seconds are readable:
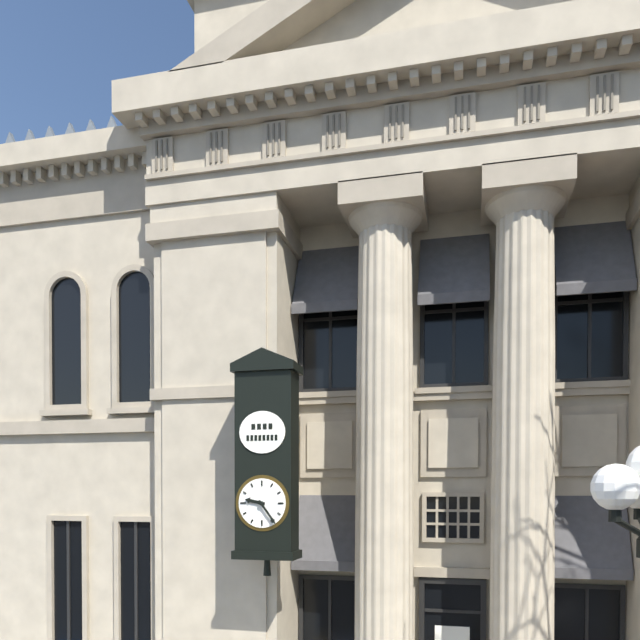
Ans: 9:24
